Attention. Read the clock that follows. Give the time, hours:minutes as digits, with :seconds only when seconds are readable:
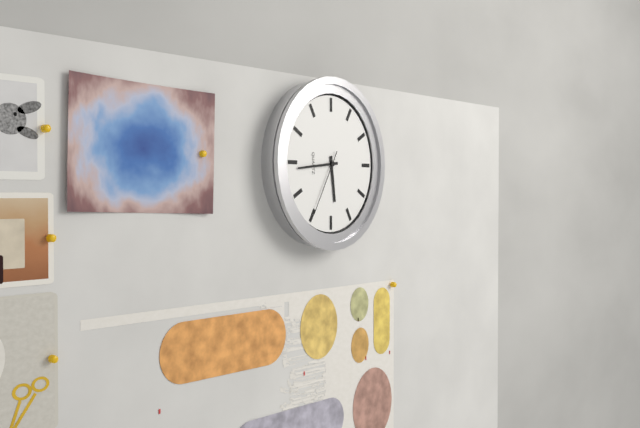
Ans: 5:44:35
